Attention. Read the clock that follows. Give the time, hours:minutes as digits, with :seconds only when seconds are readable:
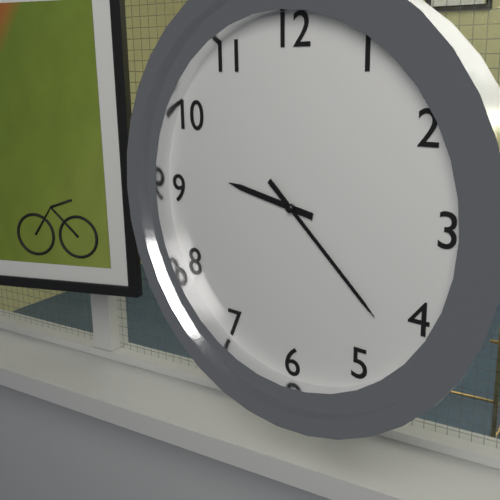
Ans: 9:22
